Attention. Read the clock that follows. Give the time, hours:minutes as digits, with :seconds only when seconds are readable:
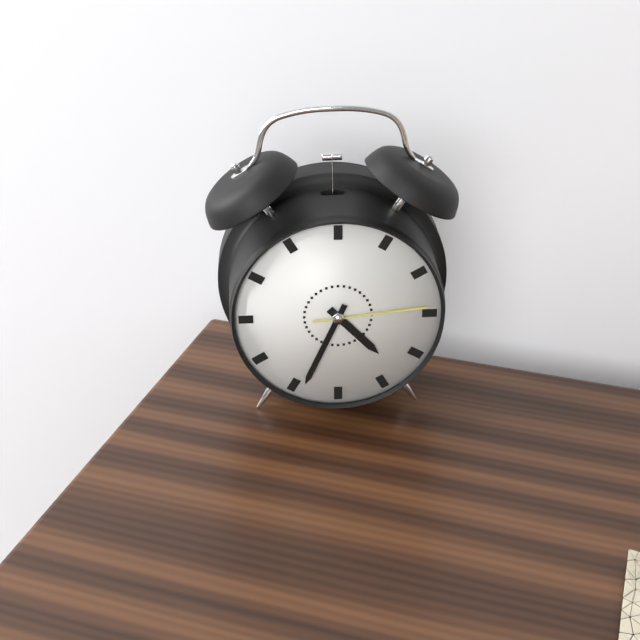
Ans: 4:34:14
